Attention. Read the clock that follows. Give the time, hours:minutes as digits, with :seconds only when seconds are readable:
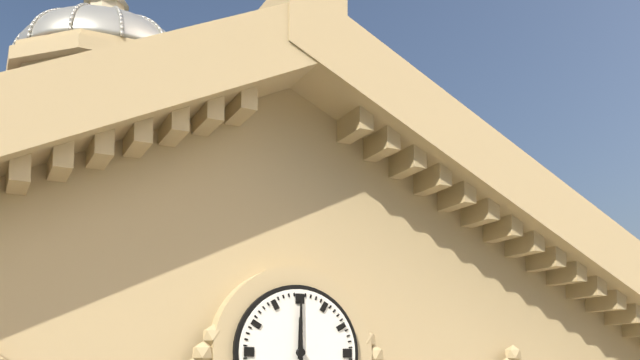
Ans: 12:00
